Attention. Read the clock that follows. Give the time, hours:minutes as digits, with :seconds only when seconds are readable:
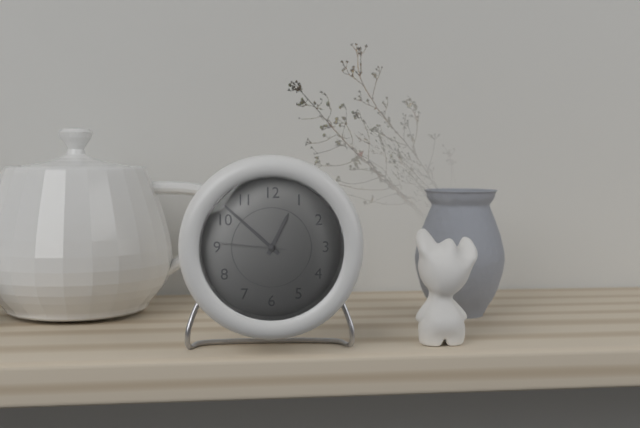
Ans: 12:52:46
